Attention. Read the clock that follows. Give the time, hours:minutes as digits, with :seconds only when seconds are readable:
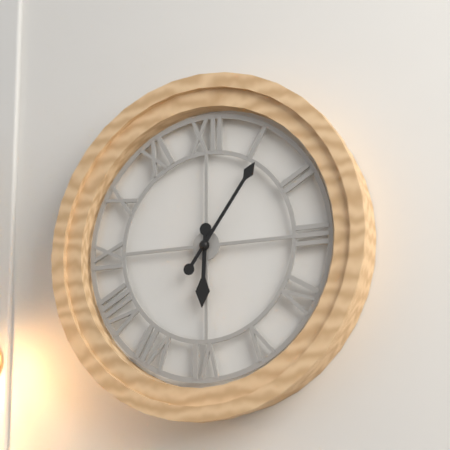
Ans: 6:06
